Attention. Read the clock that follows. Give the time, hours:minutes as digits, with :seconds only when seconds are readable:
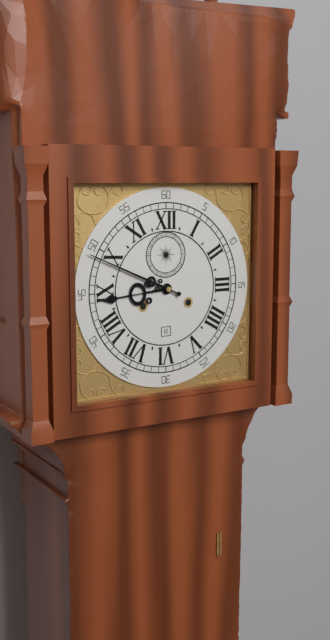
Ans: 8:49
